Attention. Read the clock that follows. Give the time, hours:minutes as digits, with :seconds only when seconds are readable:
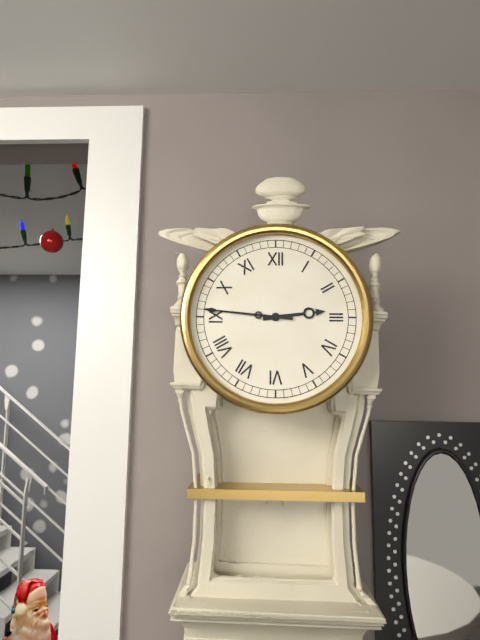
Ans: 2:46
